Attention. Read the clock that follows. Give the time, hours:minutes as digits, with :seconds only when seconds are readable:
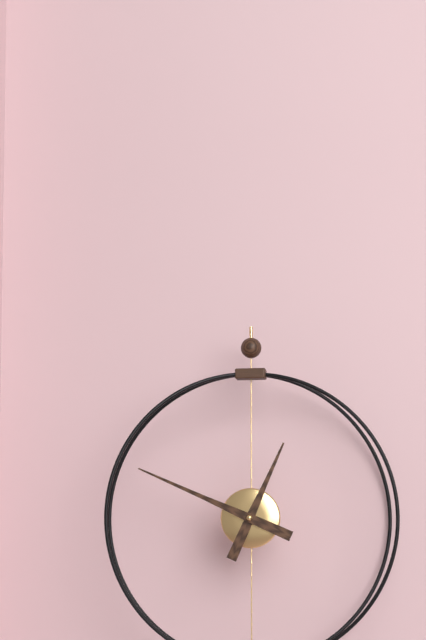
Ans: 12:49
